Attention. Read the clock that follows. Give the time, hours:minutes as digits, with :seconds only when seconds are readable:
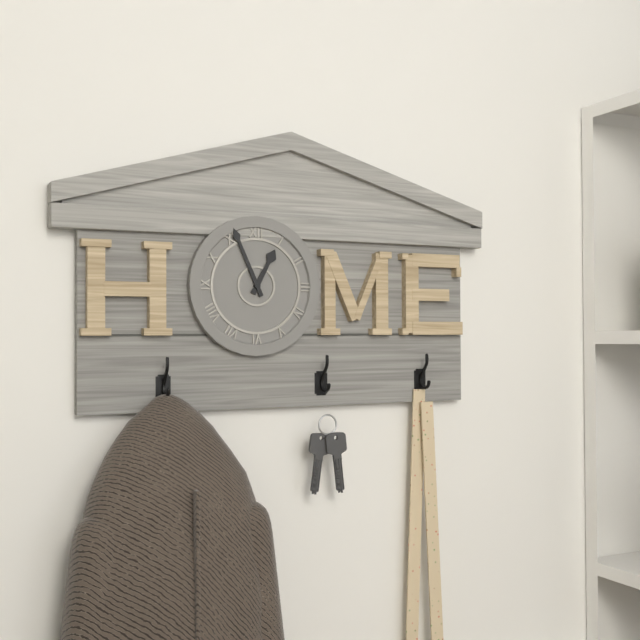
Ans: 12:56
